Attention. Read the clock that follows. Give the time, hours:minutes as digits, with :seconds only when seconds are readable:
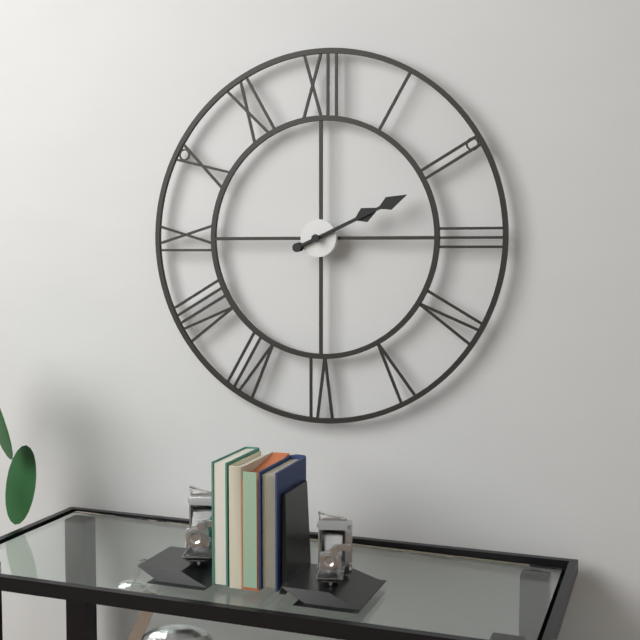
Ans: 2:11
